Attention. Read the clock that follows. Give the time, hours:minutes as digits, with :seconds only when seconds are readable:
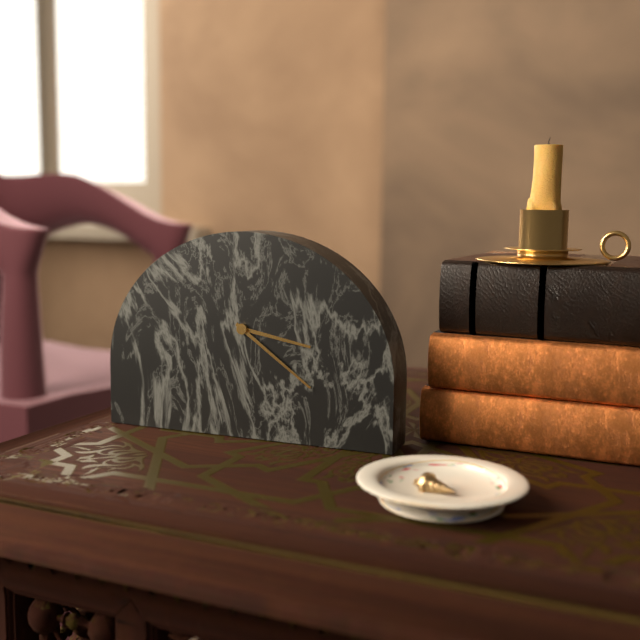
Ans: 3:21
